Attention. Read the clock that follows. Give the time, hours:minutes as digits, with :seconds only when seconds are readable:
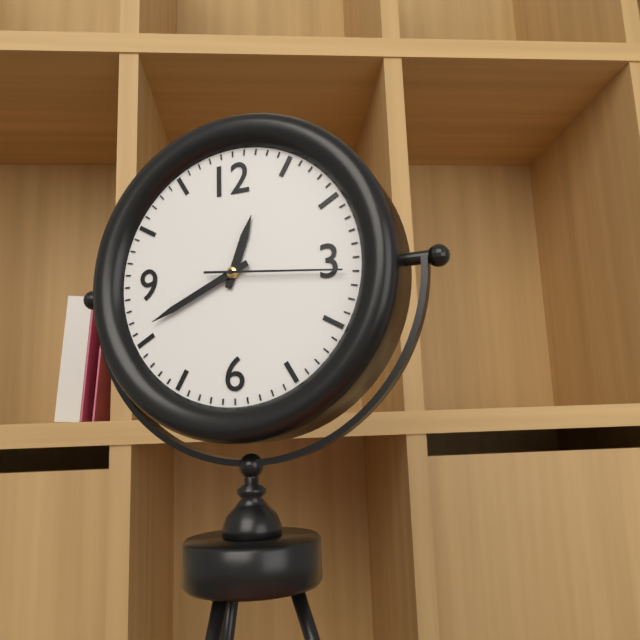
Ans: 12:41:16
